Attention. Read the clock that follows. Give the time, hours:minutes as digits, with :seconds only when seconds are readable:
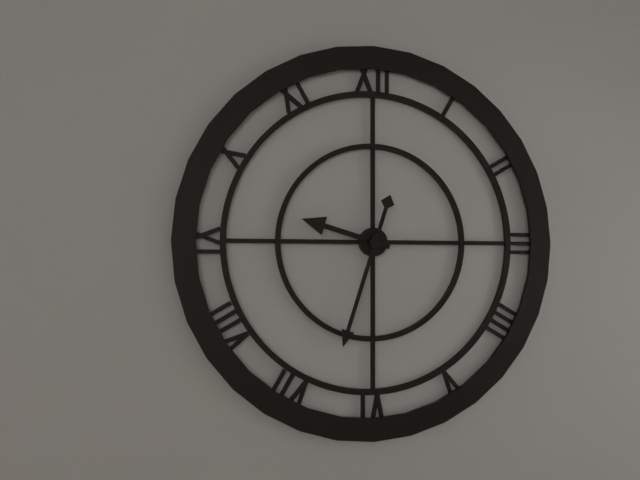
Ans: 9:33
